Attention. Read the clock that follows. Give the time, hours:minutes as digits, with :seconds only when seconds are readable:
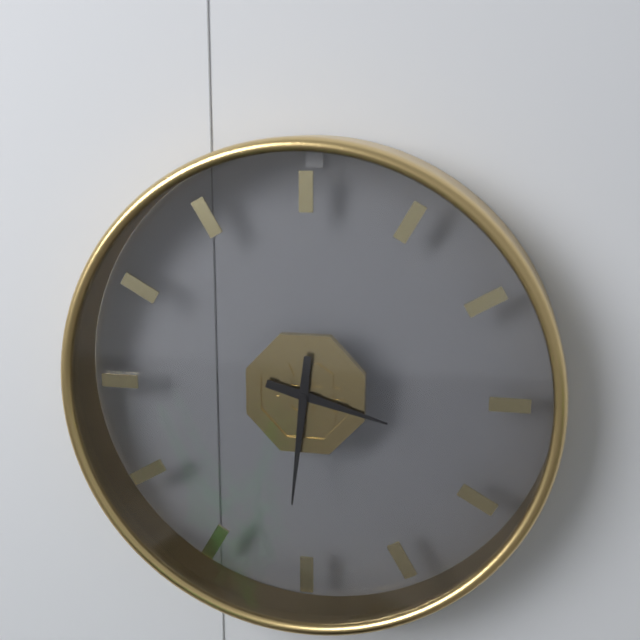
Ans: 3:31
